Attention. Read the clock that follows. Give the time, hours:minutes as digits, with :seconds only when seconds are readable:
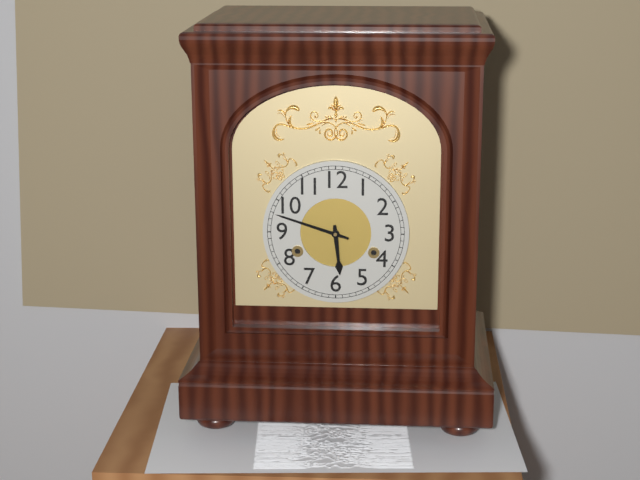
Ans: 5:48
